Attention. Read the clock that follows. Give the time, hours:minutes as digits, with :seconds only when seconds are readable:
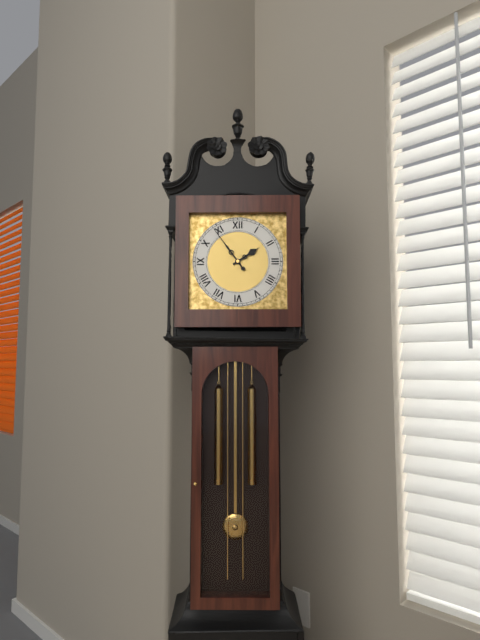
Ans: 1:54
